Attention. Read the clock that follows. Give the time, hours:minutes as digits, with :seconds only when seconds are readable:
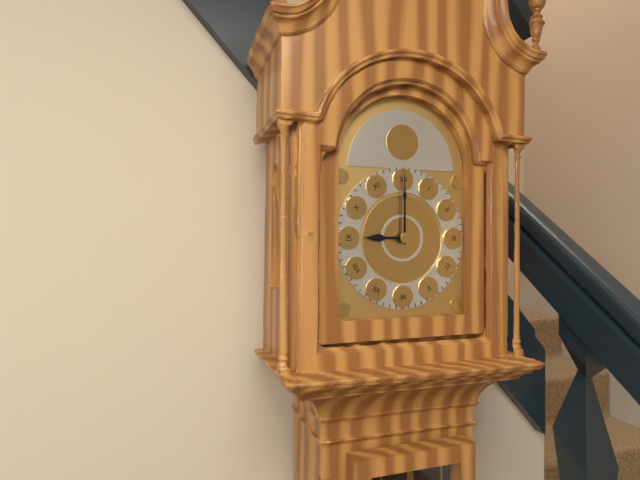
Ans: 9:00
